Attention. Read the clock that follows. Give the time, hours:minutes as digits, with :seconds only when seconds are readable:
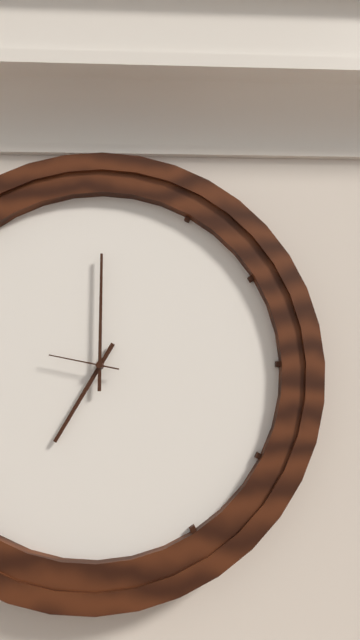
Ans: 7:00:47
